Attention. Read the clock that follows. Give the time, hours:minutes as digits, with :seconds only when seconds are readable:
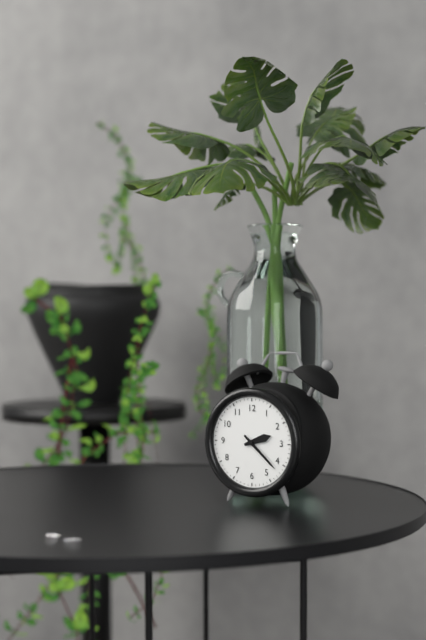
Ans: 2:22
